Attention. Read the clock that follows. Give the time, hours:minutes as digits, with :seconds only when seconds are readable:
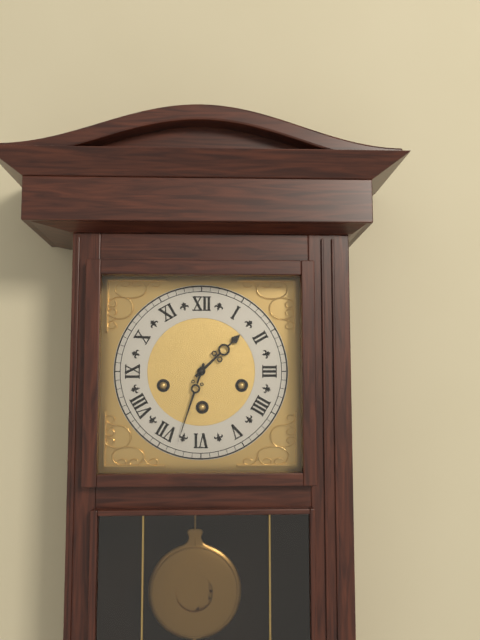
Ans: 1:33
